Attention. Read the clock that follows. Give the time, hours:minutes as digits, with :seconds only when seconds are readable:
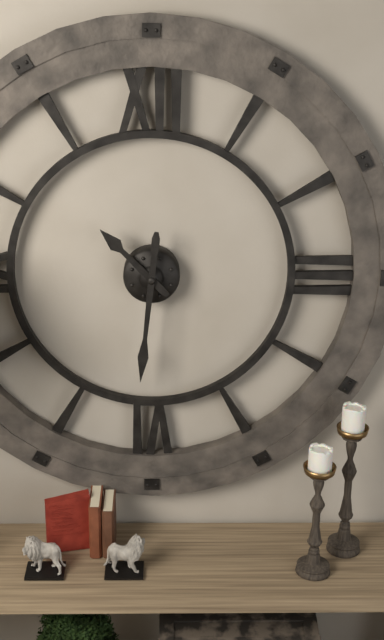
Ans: 10:31
